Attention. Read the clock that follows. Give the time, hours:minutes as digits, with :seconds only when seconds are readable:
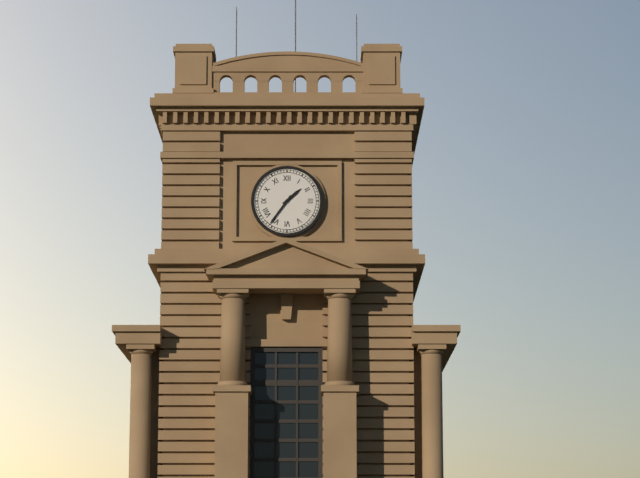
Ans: 1:36
